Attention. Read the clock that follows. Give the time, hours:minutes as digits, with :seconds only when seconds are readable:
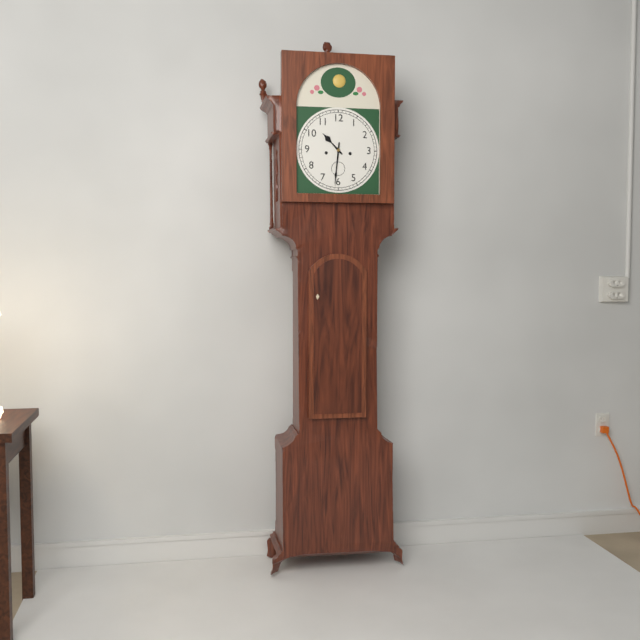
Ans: 10:31
